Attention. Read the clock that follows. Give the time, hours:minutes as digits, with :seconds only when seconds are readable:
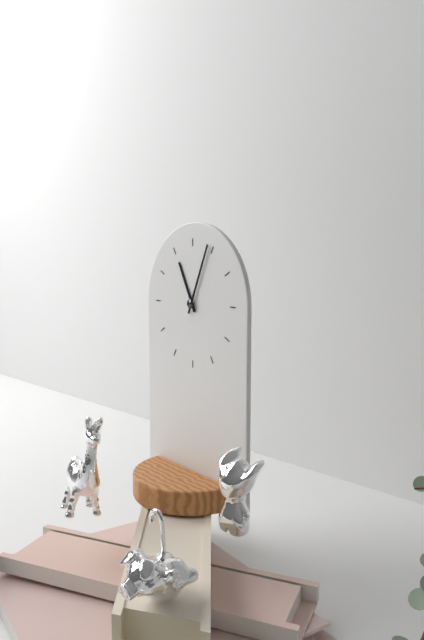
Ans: 11:04
